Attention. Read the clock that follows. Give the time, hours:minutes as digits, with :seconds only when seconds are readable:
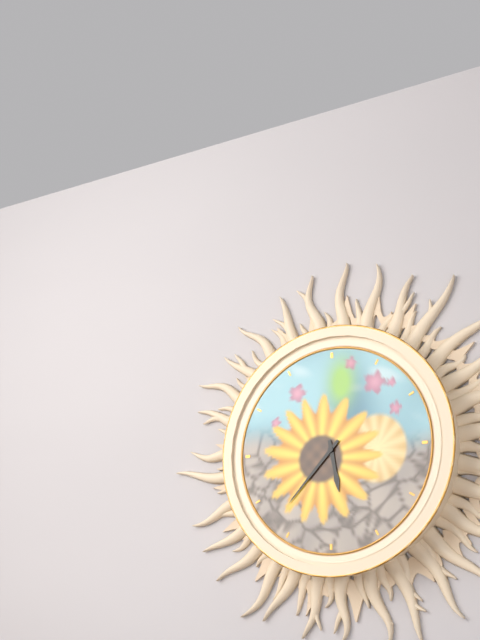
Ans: 5:37
